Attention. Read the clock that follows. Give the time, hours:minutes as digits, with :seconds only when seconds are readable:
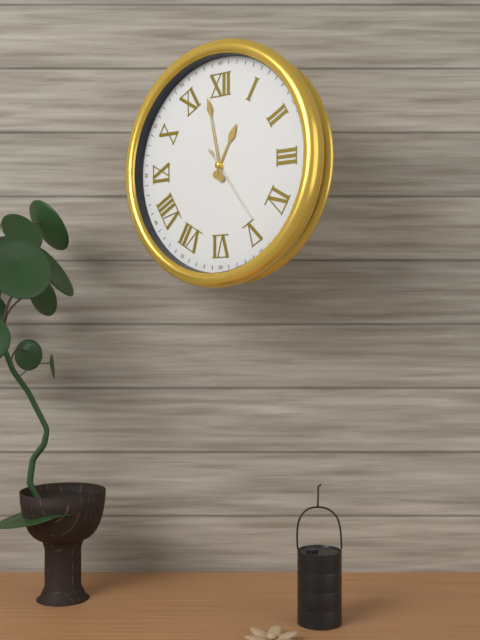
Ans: 12:58:24
